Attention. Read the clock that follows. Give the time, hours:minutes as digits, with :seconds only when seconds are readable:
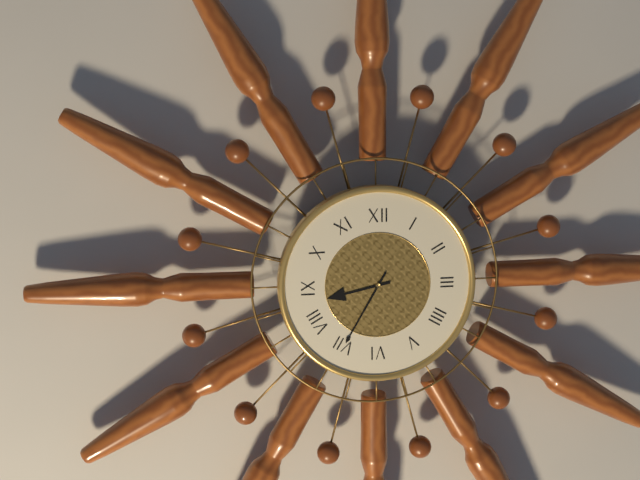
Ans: 8:35
